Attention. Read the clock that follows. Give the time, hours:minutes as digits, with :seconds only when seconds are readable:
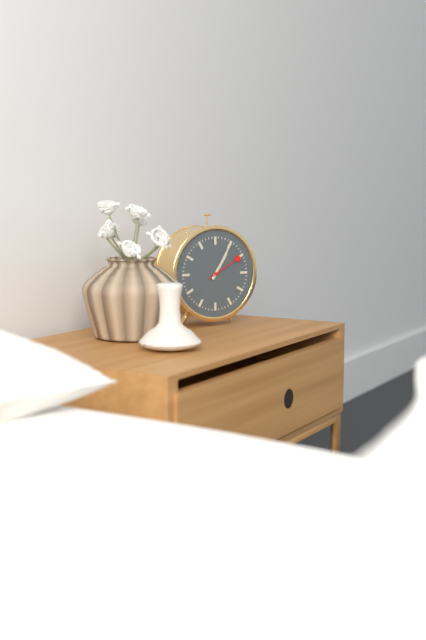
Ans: 1:05
